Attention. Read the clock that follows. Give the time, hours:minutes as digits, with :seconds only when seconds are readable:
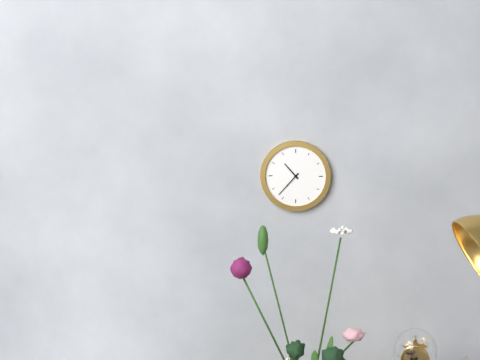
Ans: 10:37
